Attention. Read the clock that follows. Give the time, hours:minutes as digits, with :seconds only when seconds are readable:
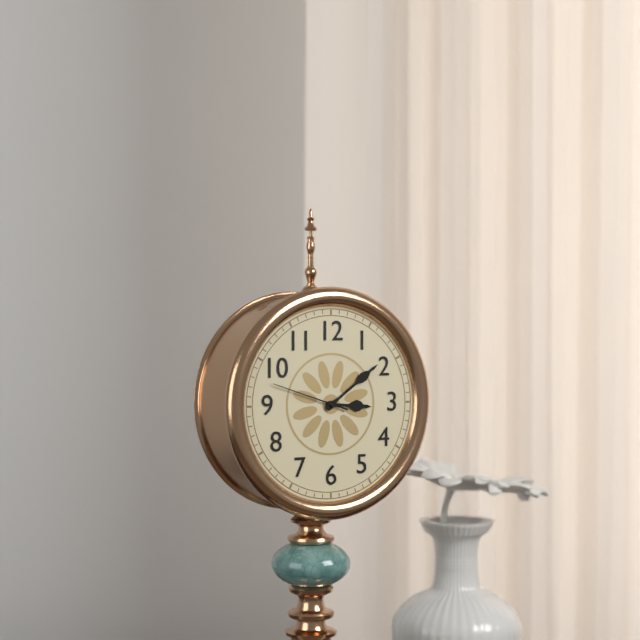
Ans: 3:09:48
